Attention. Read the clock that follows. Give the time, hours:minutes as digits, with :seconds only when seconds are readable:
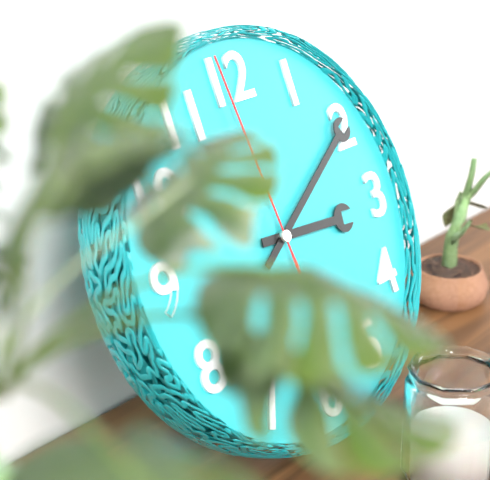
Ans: 3:10:59
